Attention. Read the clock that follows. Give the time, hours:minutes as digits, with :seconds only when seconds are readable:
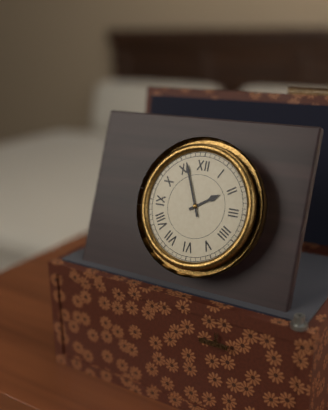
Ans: 1:56
